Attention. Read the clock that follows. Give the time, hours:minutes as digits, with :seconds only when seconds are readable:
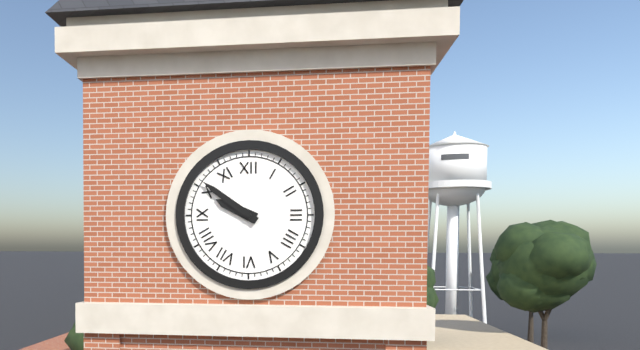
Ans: 9:51
